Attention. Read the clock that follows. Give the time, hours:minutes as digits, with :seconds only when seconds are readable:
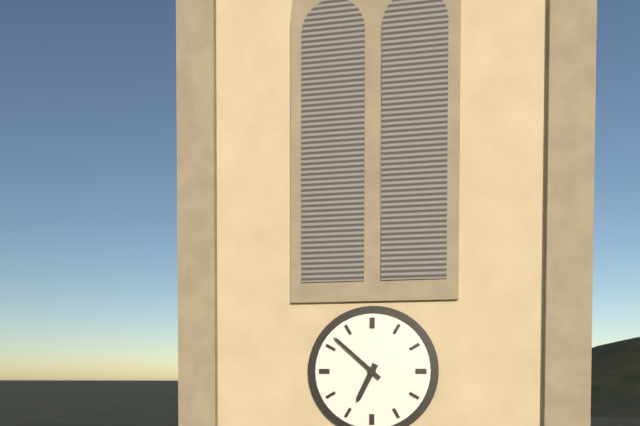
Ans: 6:52
